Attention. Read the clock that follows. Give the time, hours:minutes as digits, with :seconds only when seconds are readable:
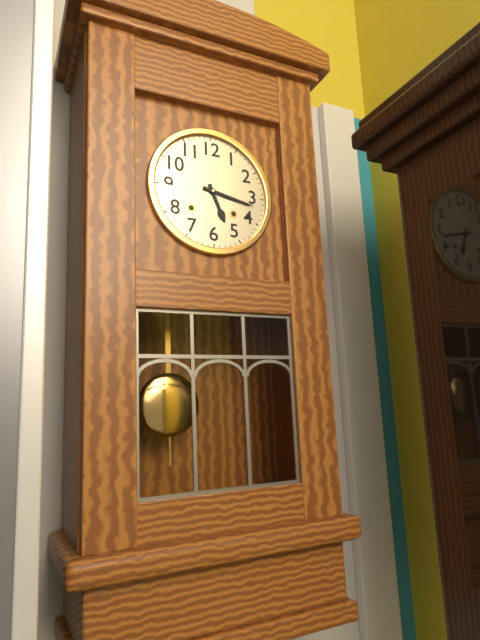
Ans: 5:17
